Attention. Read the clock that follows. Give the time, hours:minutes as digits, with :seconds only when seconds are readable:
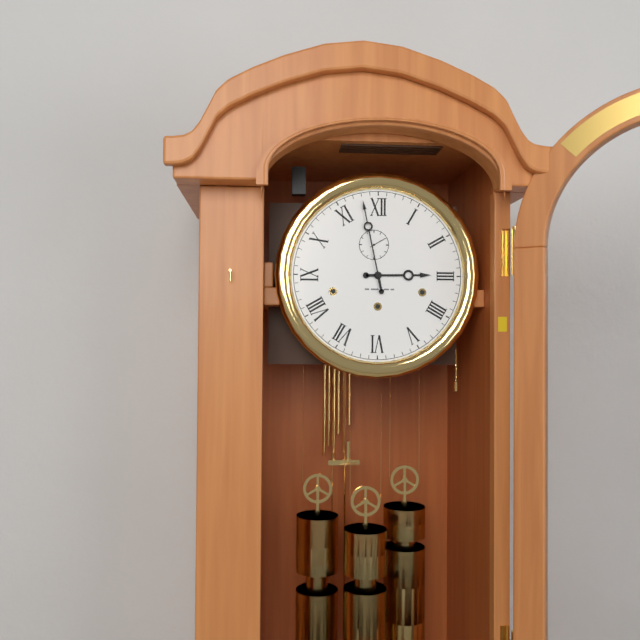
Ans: 2:58
